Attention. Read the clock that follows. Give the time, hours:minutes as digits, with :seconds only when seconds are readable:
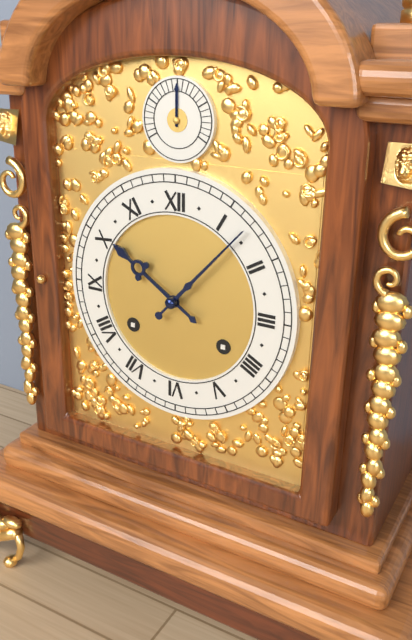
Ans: 10:07
